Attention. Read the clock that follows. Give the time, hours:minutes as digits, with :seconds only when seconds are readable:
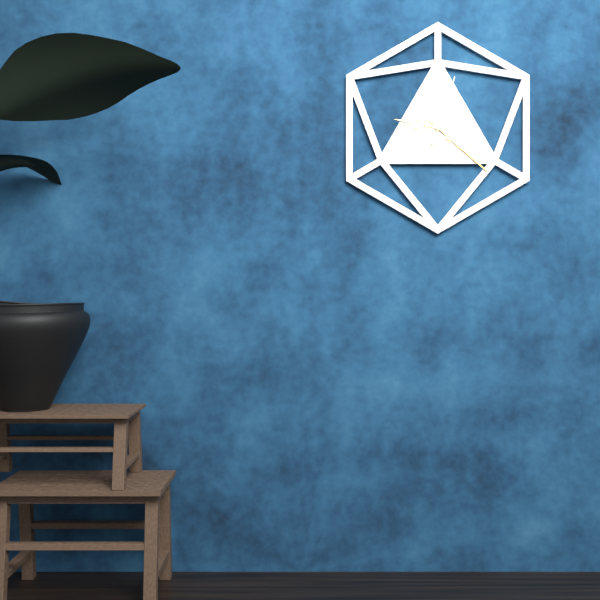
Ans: 9:22:03
